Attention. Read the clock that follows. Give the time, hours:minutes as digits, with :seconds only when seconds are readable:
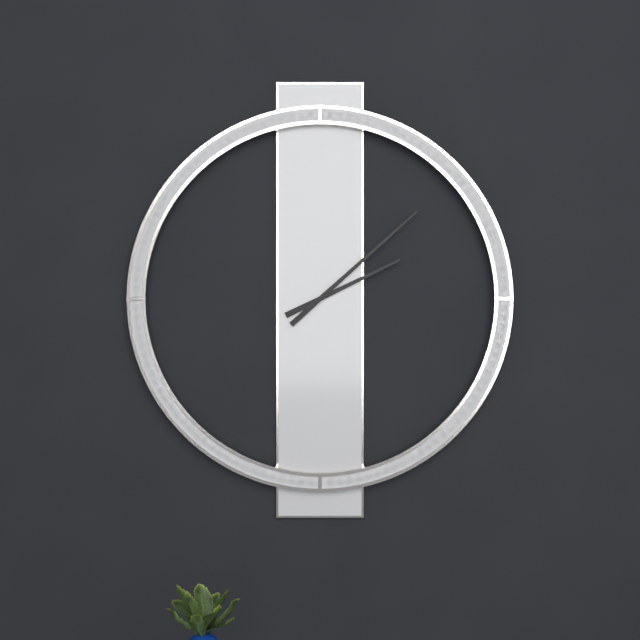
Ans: 2:08
